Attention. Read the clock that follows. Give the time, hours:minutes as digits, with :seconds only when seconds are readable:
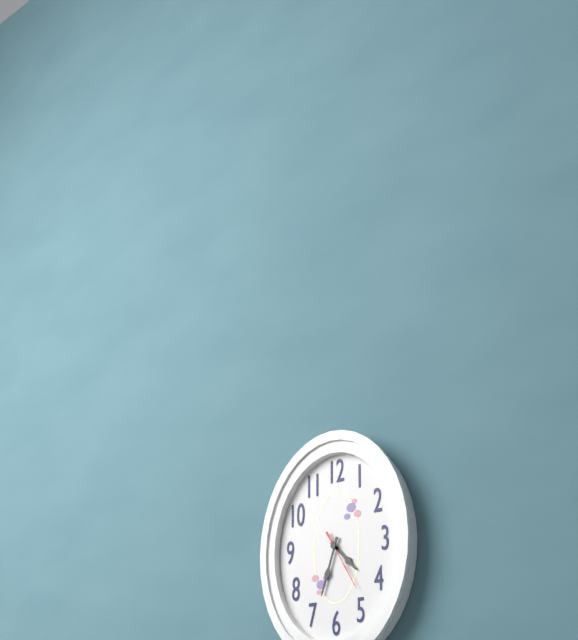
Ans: 4:33:25
